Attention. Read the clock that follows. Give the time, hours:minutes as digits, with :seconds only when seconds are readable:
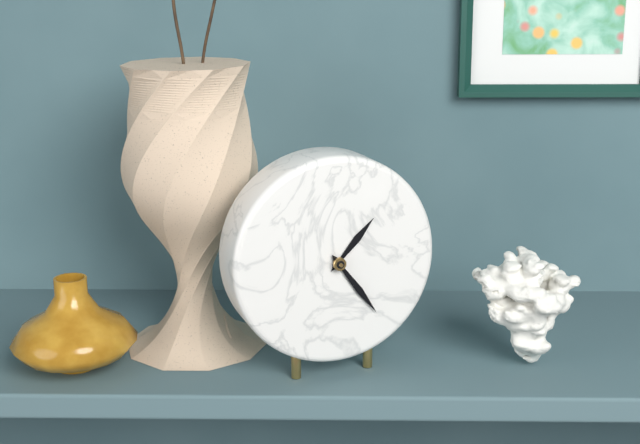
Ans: 1:24
